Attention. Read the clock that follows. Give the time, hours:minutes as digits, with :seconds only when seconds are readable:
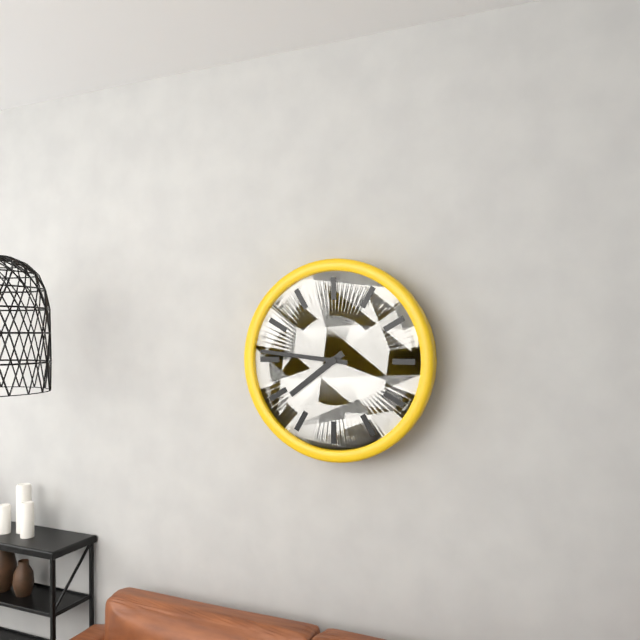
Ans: 7:46
